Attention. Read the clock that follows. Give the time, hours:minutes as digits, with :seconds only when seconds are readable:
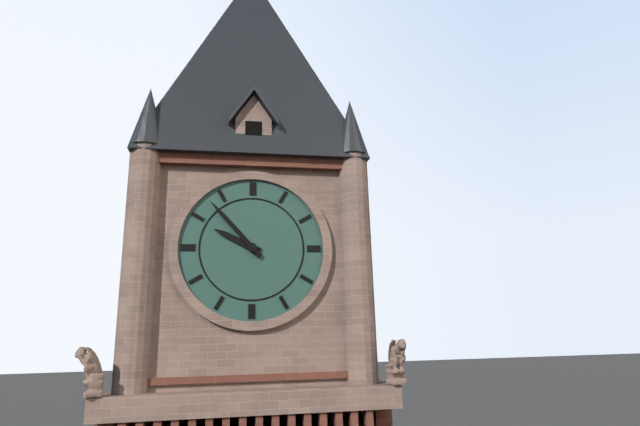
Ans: 9:53
